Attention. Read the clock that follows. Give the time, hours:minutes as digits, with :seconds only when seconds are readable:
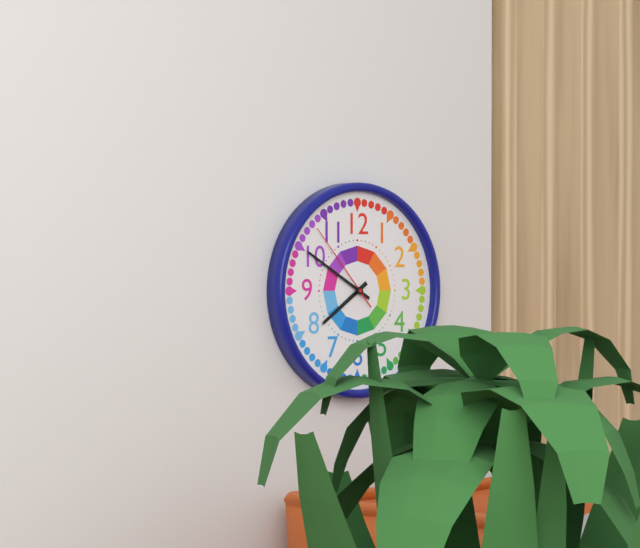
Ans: 7:50:53
